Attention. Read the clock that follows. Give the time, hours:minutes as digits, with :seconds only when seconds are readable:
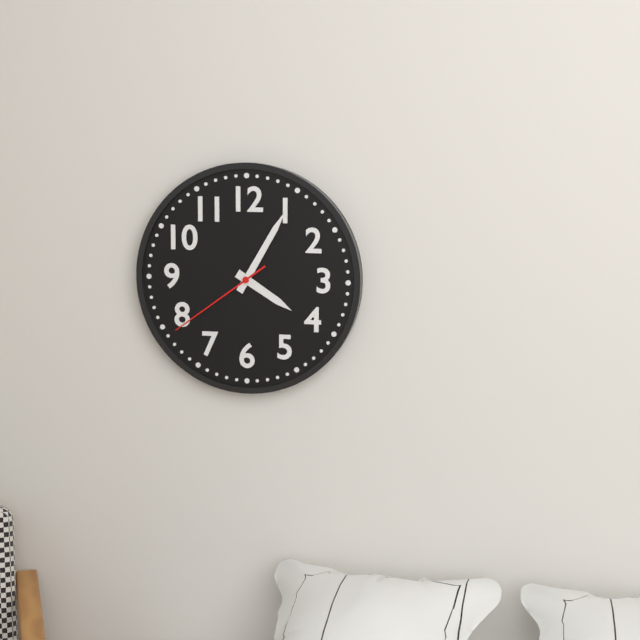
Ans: 4:05:39
